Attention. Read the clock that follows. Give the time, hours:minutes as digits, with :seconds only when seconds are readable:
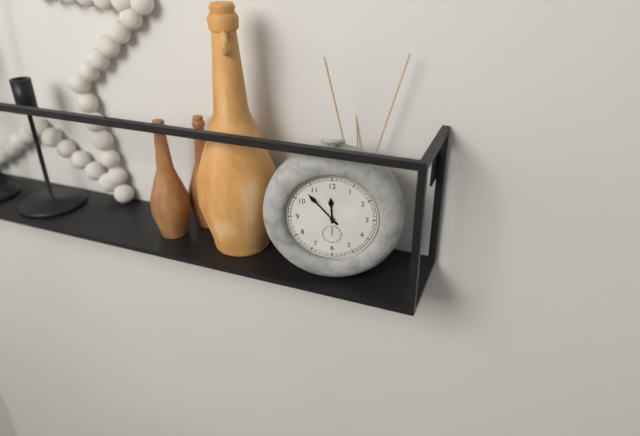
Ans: 11:53
